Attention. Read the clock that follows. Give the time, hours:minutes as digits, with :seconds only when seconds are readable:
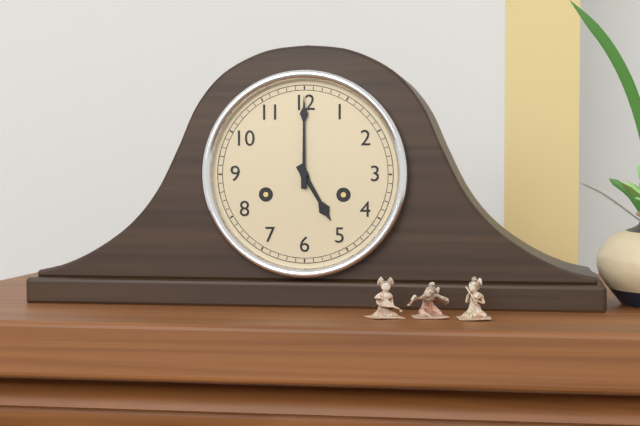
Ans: 5:00
